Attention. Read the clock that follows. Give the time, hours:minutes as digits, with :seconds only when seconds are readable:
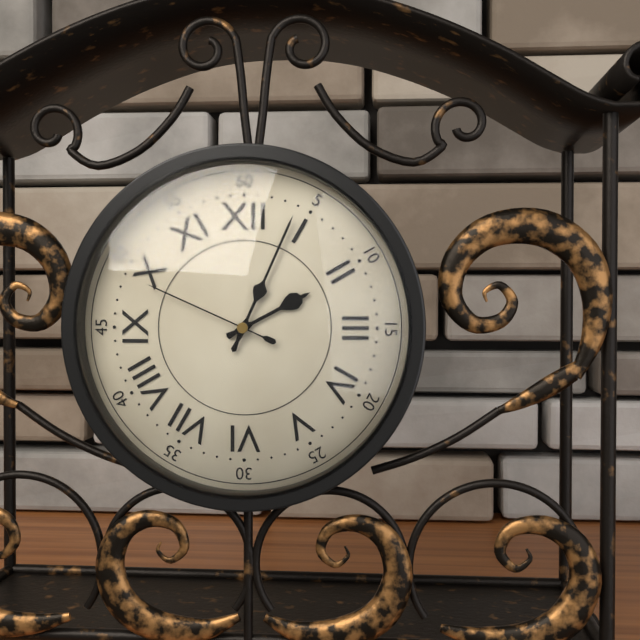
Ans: 2:04:49
